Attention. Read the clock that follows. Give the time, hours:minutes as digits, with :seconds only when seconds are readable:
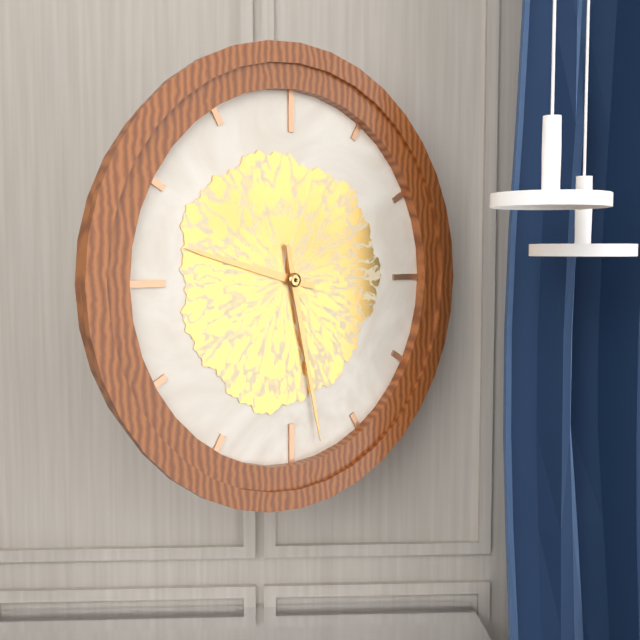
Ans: 9:28
